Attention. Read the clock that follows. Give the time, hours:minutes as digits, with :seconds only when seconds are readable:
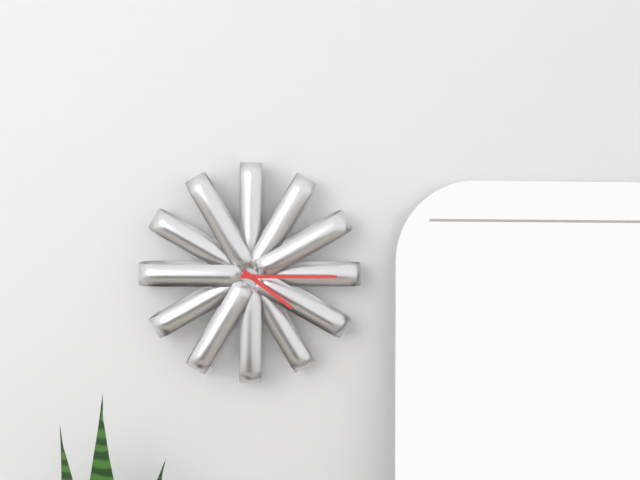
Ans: 4:15
